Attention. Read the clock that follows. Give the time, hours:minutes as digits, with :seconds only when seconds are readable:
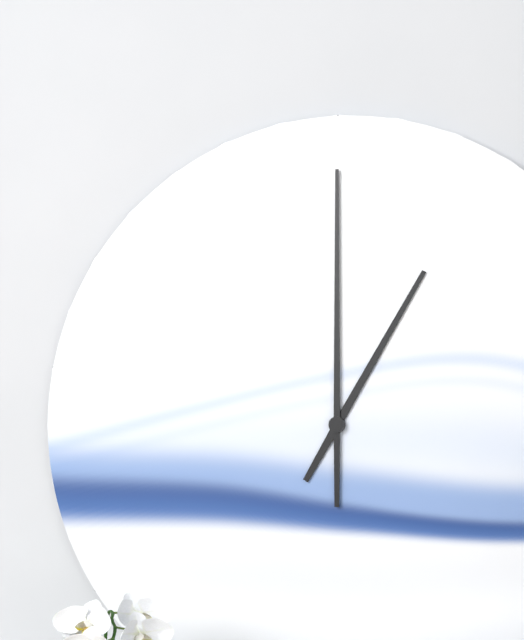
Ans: 1:00
